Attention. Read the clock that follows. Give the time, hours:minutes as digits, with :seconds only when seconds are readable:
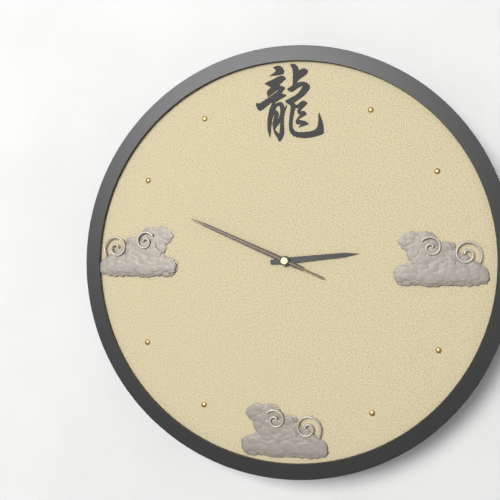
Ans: 2:49:49
